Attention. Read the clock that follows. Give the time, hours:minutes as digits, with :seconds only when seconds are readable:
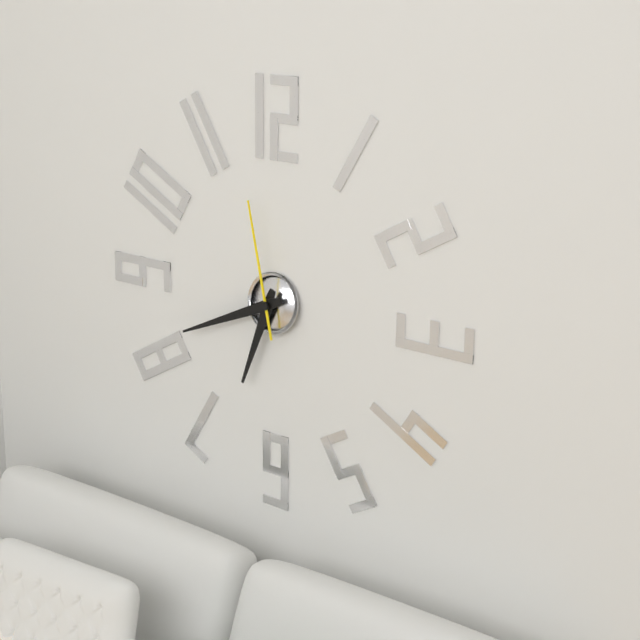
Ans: 6:41:58
